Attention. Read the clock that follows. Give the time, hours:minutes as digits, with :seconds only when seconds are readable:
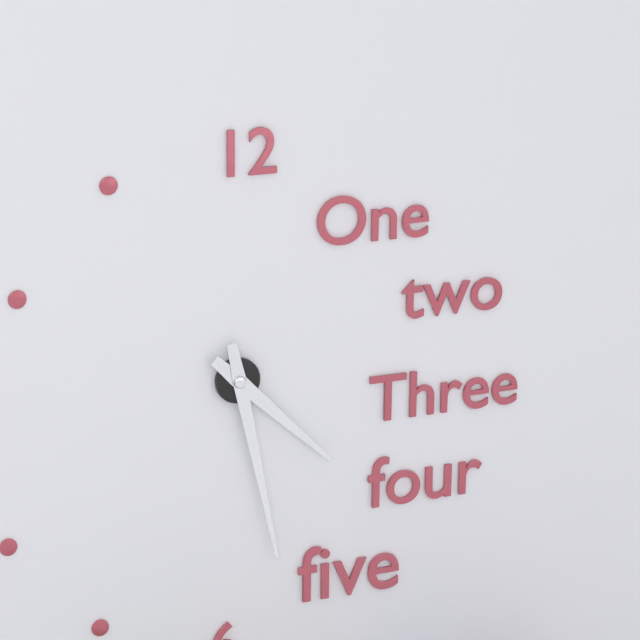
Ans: 4:28
